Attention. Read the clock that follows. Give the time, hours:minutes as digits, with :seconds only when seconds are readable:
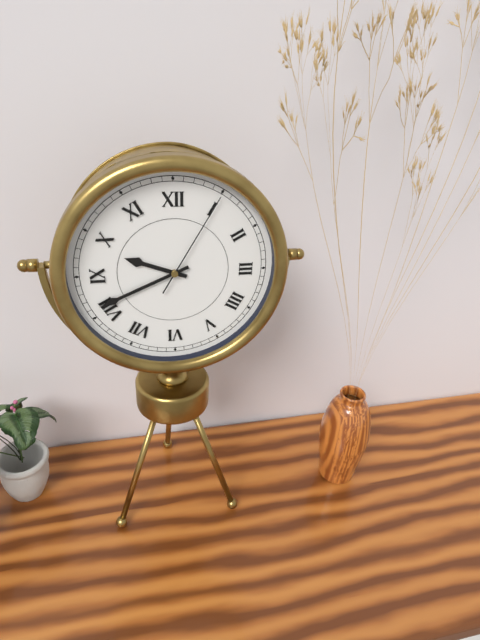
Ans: 9:41:05
